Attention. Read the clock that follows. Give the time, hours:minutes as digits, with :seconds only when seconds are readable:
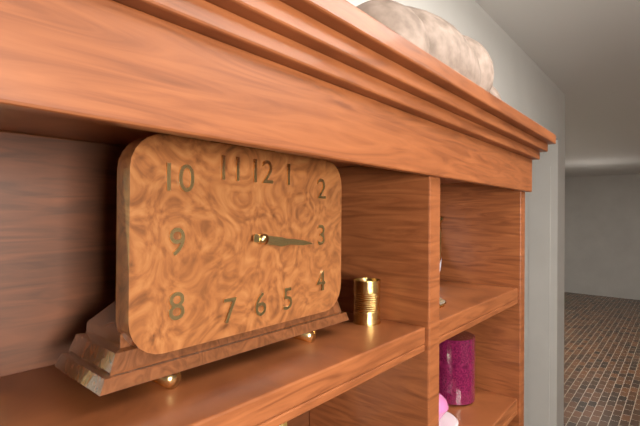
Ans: 3:16
